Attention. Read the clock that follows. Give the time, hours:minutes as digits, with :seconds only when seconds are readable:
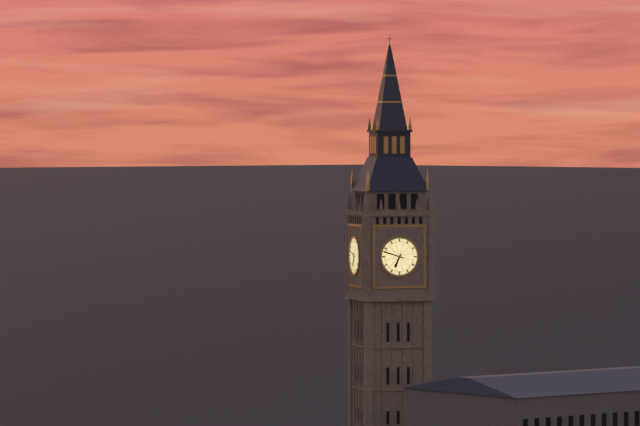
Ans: 6:48
